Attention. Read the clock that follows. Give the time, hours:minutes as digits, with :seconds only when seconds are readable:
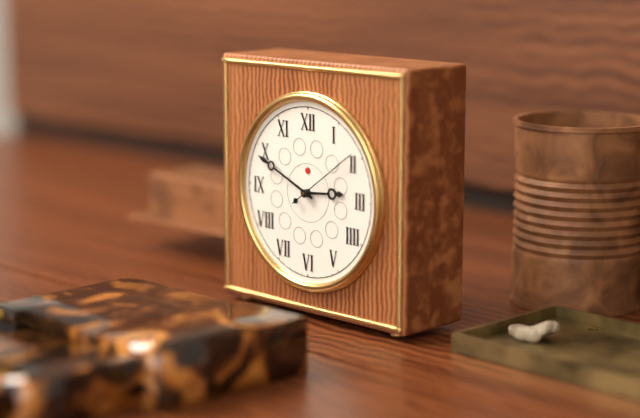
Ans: 2:49:09
